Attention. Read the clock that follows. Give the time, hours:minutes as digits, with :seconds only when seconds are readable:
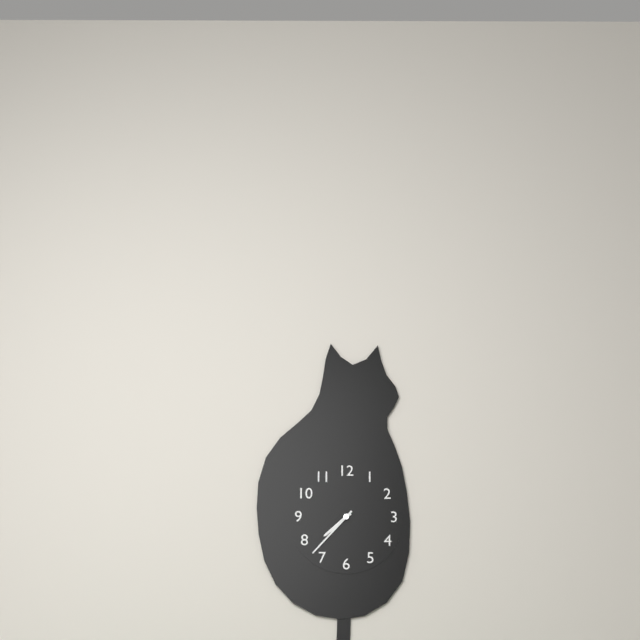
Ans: 7:37
